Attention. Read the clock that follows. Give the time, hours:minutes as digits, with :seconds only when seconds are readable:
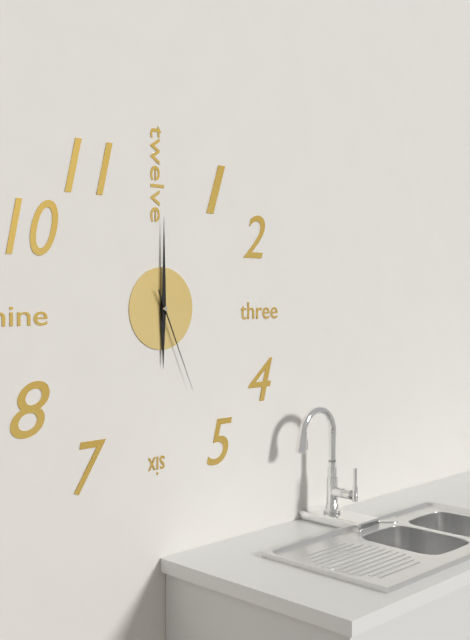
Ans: 6:00:26
